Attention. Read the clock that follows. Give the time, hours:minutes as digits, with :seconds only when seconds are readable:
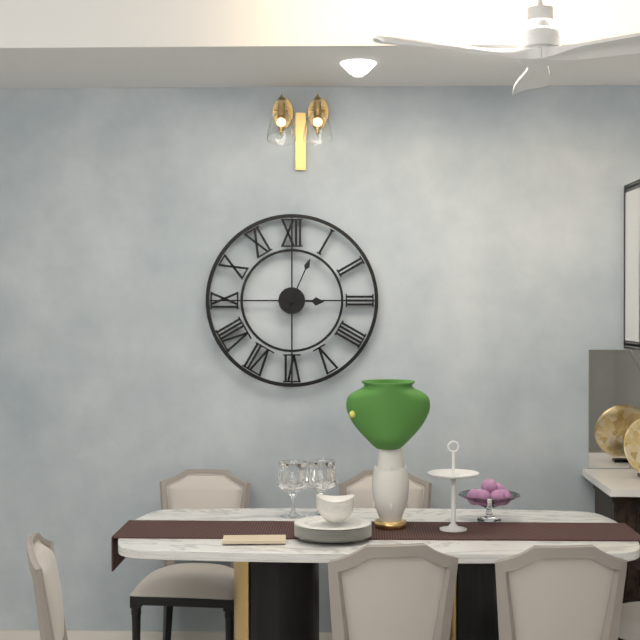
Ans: 3:04
